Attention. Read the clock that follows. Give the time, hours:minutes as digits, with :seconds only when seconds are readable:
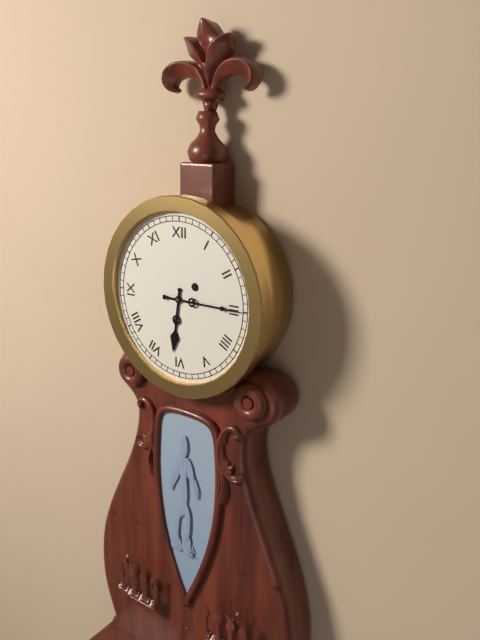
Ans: 6:15
